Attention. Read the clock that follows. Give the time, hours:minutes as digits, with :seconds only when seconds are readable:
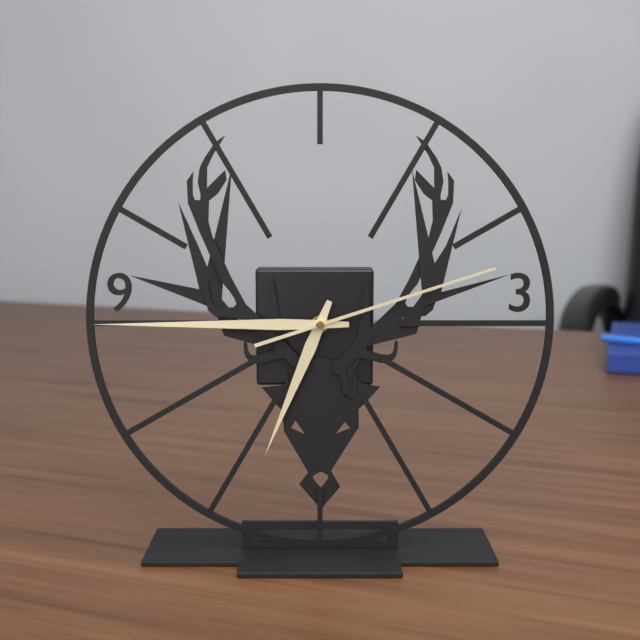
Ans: 6:45:12
